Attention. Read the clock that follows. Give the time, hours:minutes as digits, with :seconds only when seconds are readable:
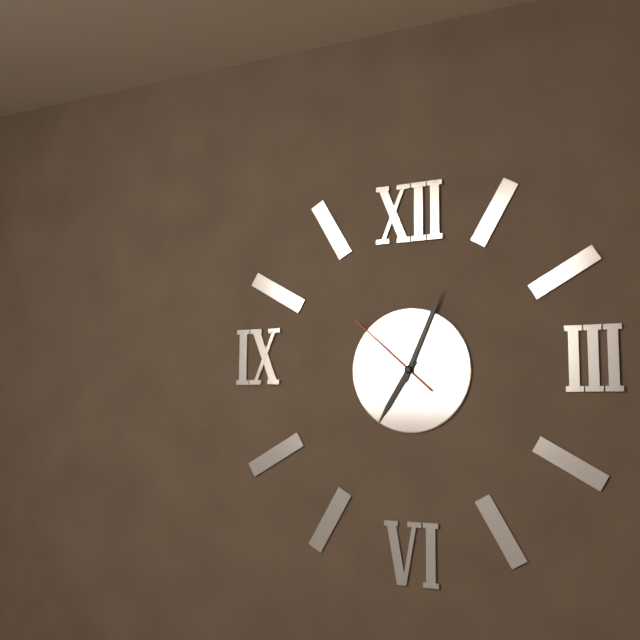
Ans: 7:04:52
